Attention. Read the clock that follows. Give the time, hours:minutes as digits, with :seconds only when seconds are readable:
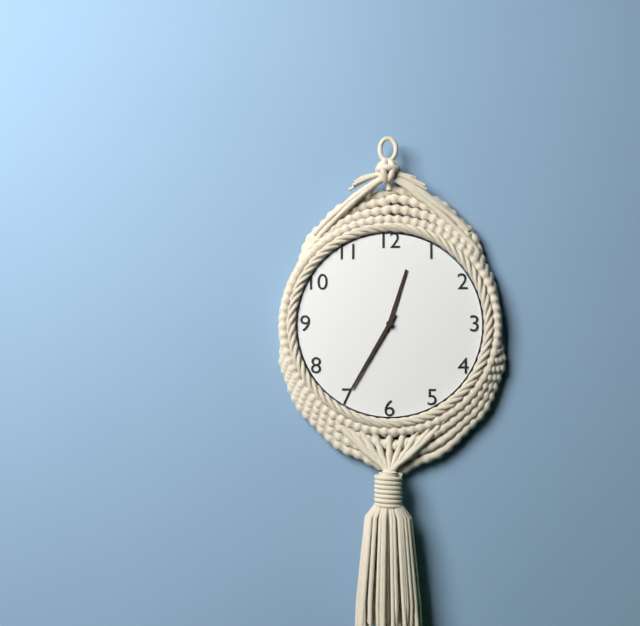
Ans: 12:35
